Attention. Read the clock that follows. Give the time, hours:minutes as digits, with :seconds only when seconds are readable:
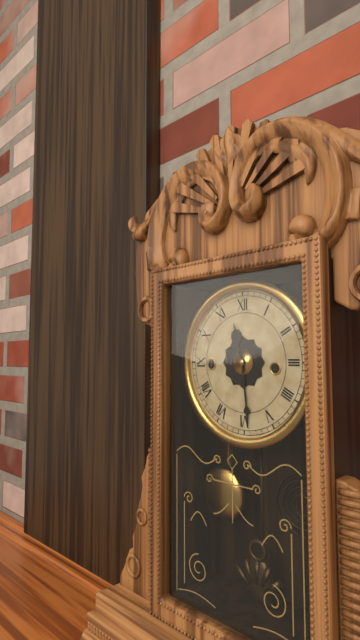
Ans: 11:29
